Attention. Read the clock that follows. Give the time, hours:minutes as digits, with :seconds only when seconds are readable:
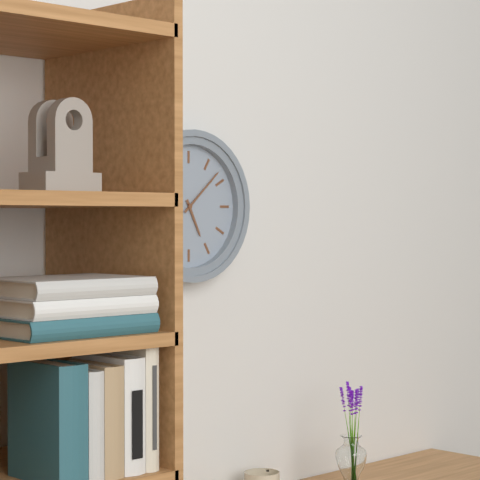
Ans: 5:08
